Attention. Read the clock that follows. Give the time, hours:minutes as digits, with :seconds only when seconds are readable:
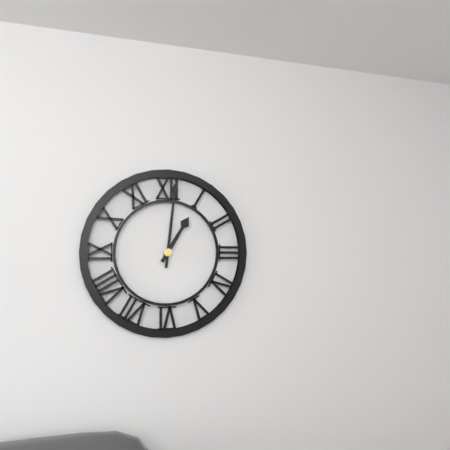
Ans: 1:01
